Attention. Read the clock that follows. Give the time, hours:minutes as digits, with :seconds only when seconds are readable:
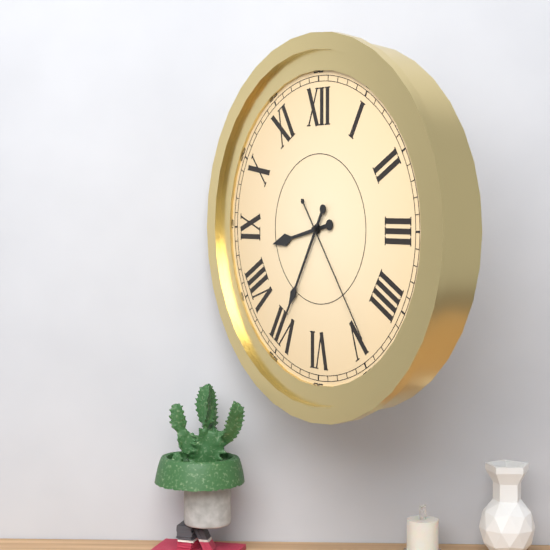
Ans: 8:35:24
